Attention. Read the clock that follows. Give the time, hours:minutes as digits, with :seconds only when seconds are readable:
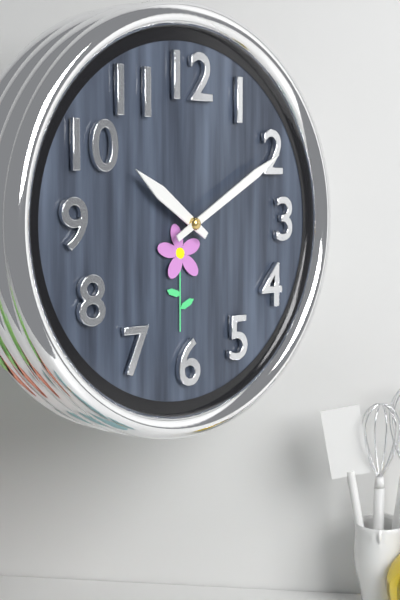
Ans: 10:10
